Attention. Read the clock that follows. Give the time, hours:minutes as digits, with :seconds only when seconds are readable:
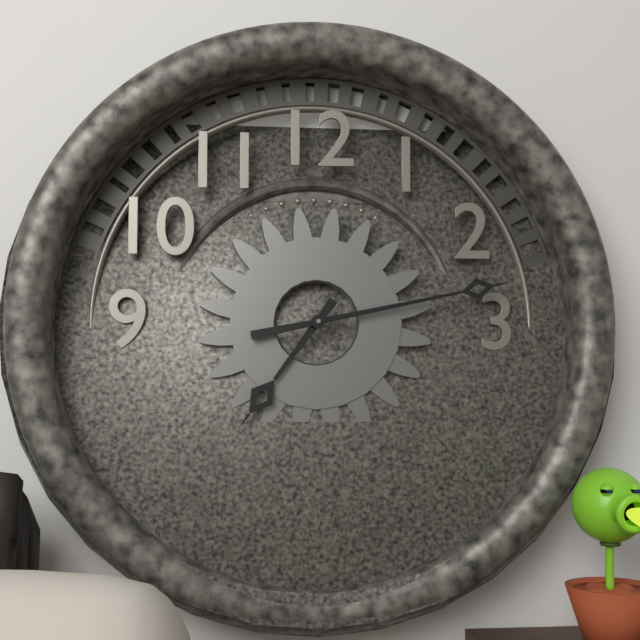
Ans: 7:13
